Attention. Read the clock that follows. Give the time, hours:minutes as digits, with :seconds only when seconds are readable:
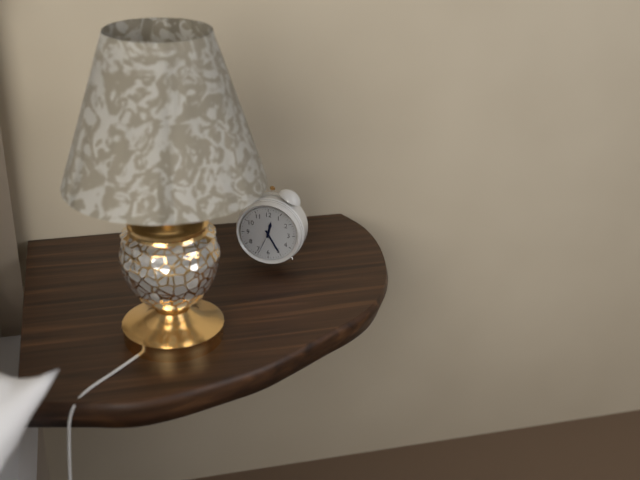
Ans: 12:25
